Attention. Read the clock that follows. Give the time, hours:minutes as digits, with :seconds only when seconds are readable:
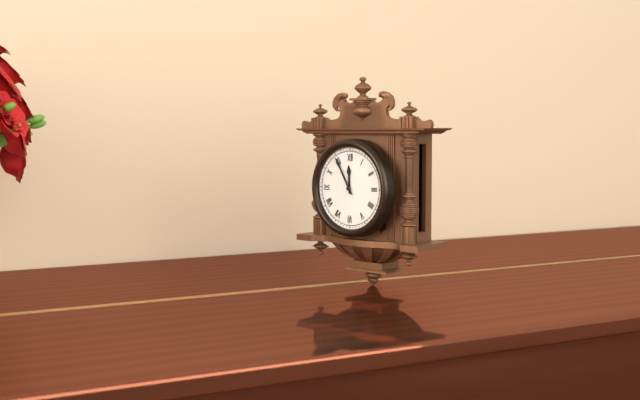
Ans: 11:55
